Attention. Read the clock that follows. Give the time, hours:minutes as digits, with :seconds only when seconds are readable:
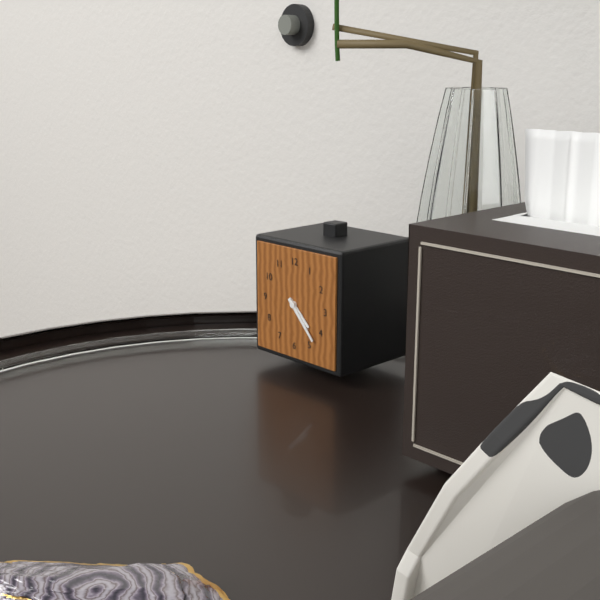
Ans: 4:23
